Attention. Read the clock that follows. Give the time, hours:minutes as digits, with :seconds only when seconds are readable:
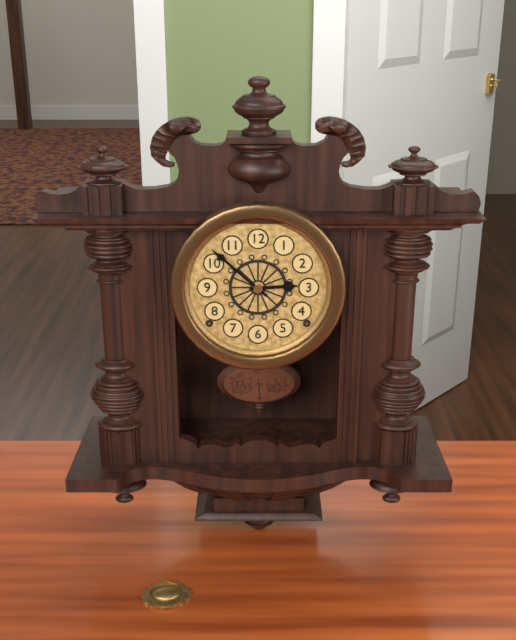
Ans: 2:52
